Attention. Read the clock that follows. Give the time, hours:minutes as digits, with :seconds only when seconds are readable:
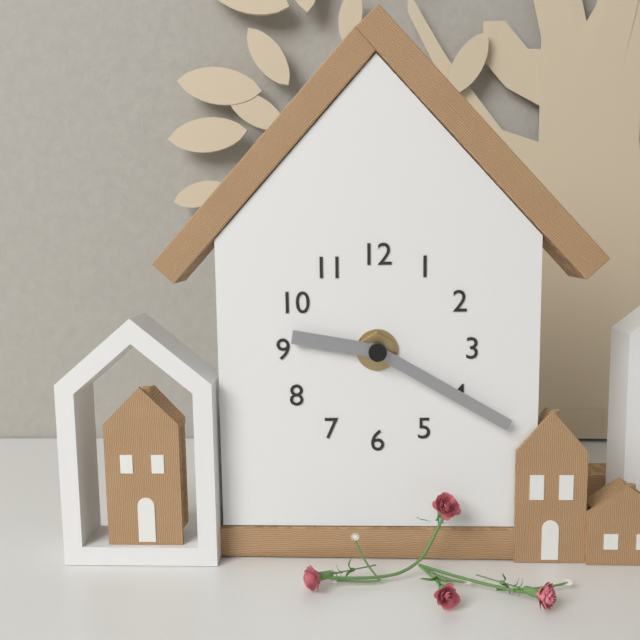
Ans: 9:20
